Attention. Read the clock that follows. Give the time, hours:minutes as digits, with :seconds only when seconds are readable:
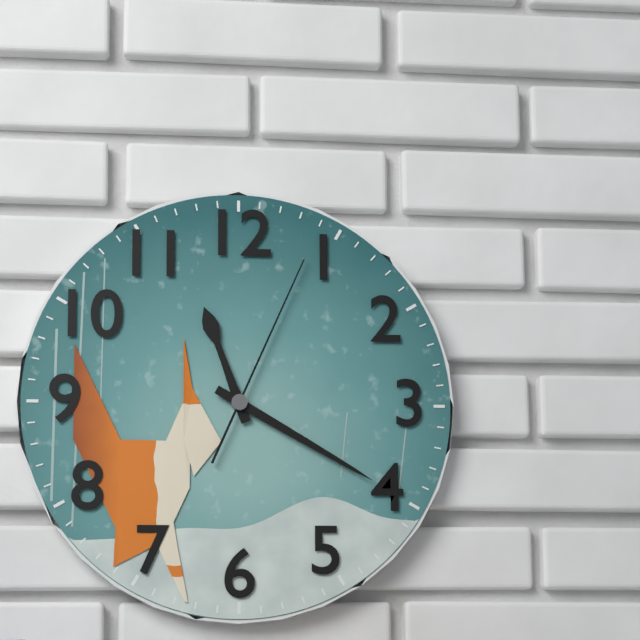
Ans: 11:20:04
